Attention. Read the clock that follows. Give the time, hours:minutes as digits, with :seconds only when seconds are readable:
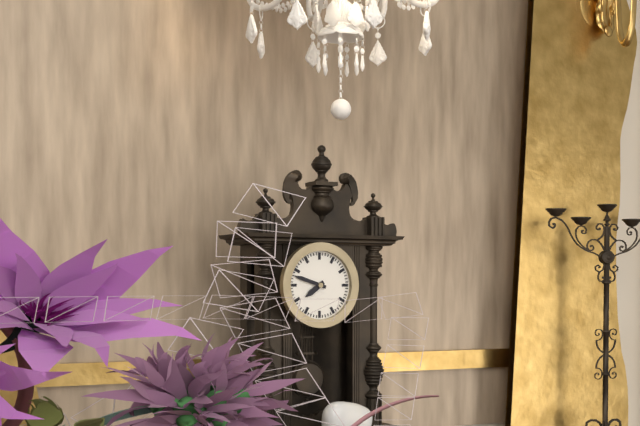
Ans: 7:48
